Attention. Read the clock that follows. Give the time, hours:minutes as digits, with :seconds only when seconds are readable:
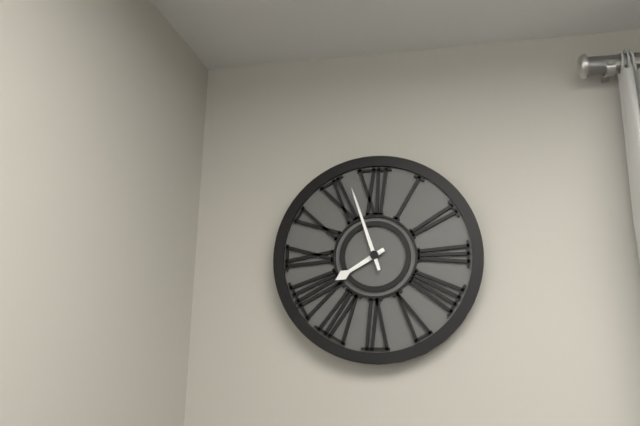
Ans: 7:57
